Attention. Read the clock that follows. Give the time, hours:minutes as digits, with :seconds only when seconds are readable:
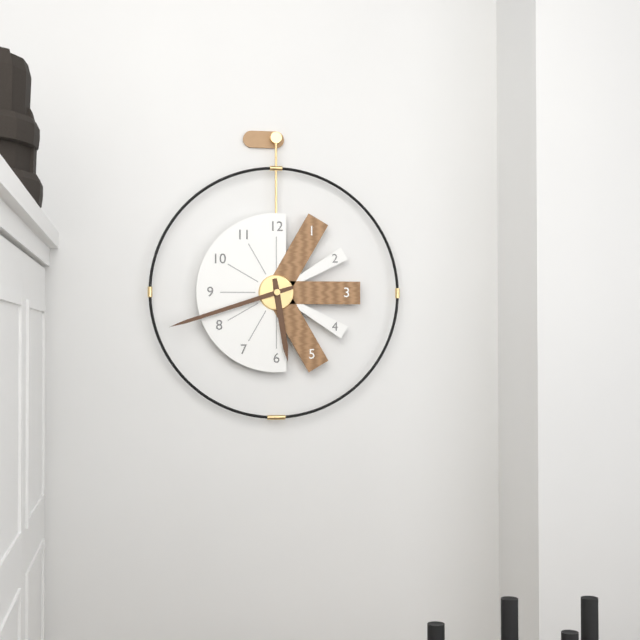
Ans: 5:42
